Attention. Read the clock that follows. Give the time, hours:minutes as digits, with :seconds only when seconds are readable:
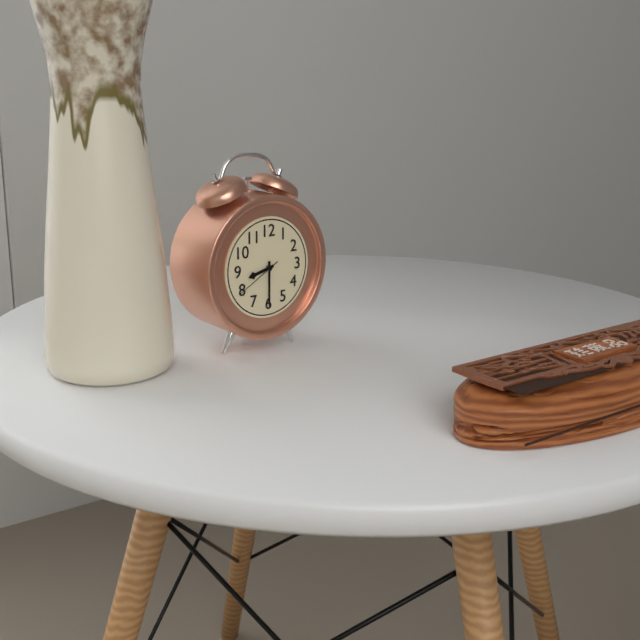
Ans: 8:30
